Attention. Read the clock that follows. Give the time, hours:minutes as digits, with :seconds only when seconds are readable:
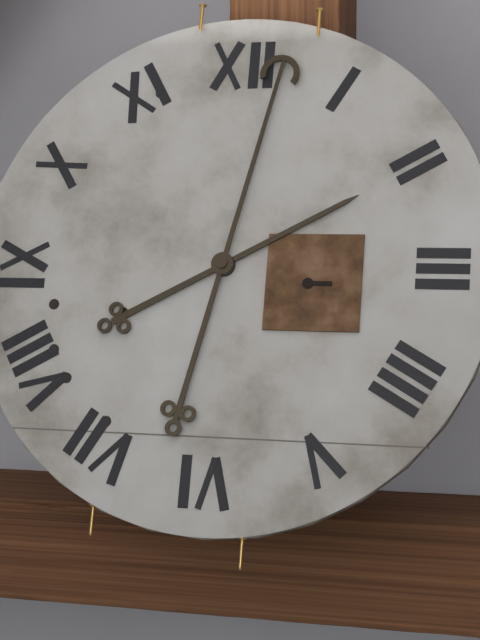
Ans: 2:02
